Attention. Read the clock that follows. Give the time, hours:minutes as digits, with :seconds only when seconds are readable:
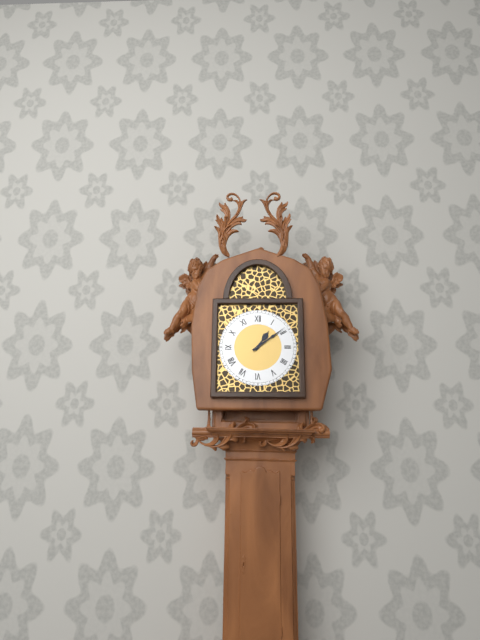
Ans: 1:09
